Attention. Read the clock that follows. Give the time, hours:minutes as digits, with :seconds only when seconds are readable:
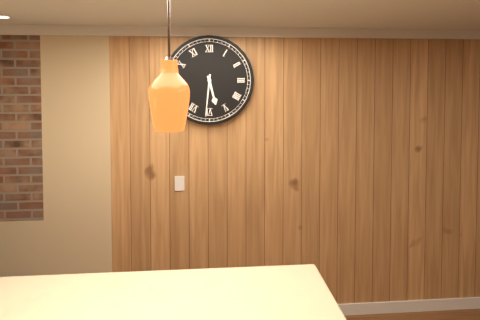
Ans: 5:31
